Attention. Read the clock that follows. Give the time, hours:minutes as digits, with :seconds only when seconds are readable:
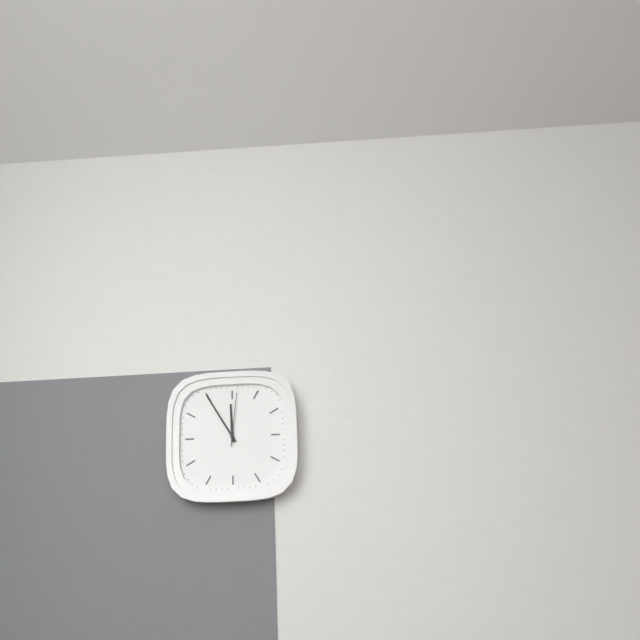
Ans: 11:55:01
